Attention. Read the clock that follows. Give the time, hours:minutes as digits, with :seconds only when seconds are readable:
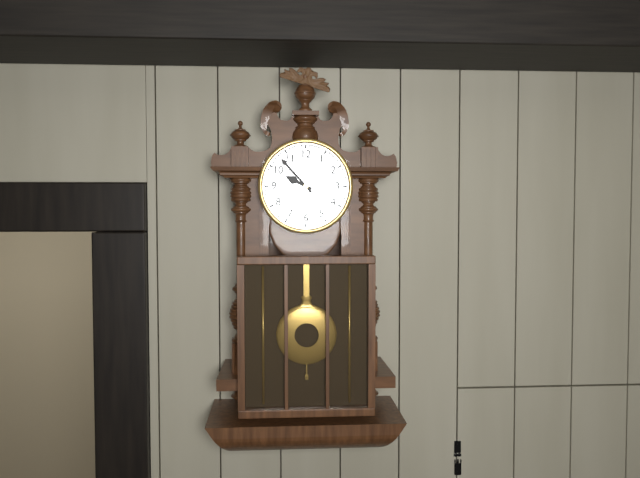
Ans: 9:53
